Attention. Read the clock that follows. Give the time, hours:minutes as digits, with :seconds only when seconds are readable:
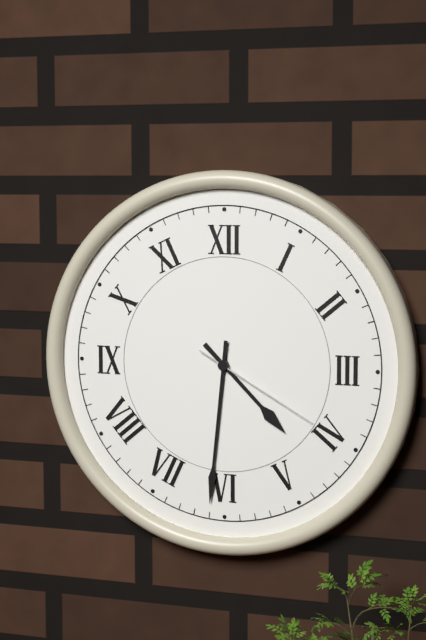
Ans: 4:31:20
